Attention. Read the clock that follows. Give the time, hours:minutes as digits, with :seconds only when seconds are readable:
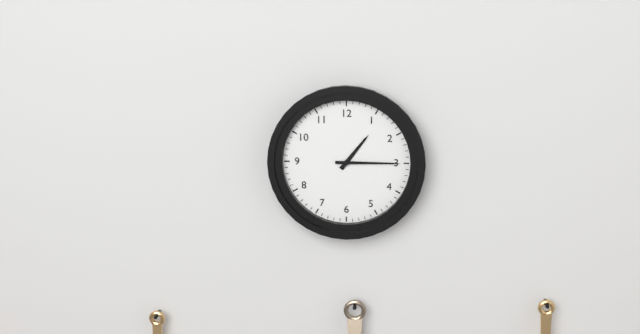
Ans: 1:15
